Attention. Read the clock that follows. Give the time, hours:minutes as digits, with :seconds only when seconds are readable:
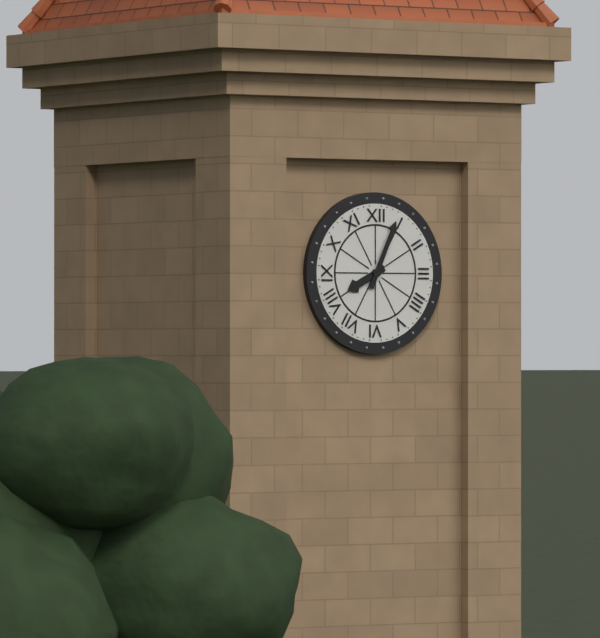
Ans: 8:04
